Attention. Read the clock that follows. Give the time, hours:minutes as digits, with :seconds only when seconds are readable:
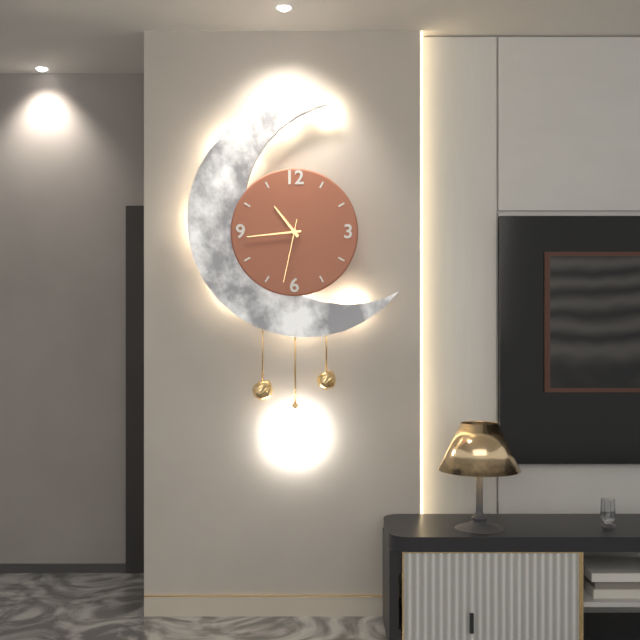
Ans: 10:44:32
